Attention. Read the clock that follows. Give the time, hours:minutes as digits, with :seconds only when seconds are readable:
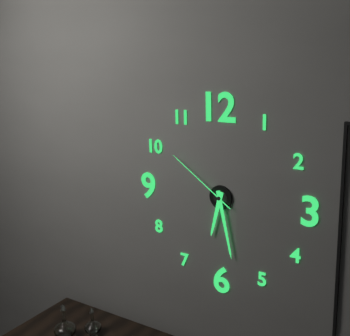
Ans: 6:28:51
